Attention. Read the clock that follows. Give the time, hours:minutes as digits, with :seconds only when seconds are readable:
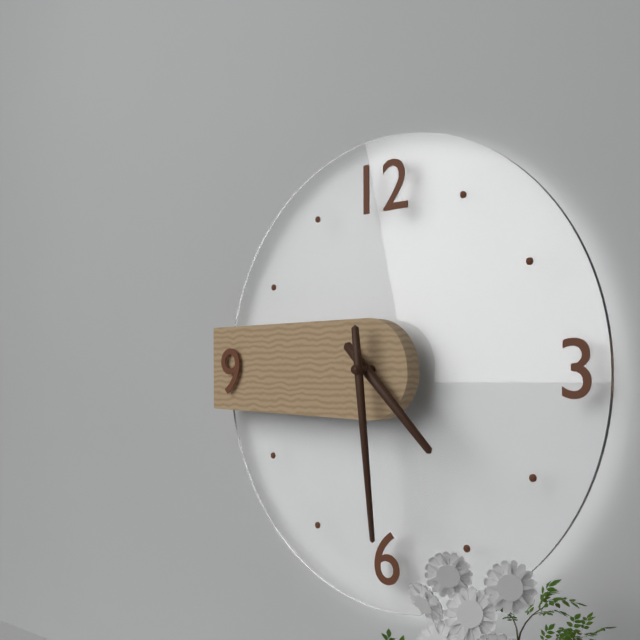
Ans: 4:29
